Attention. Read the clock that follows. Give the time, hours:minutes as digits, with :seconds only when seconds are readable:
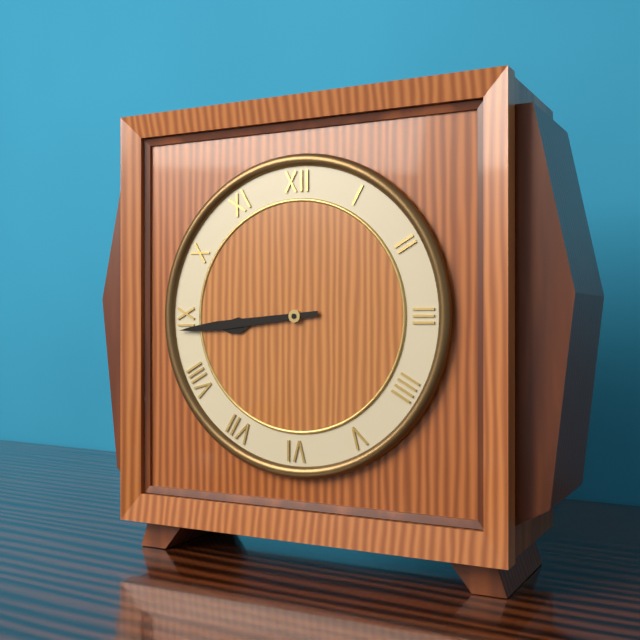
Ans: 8:44
